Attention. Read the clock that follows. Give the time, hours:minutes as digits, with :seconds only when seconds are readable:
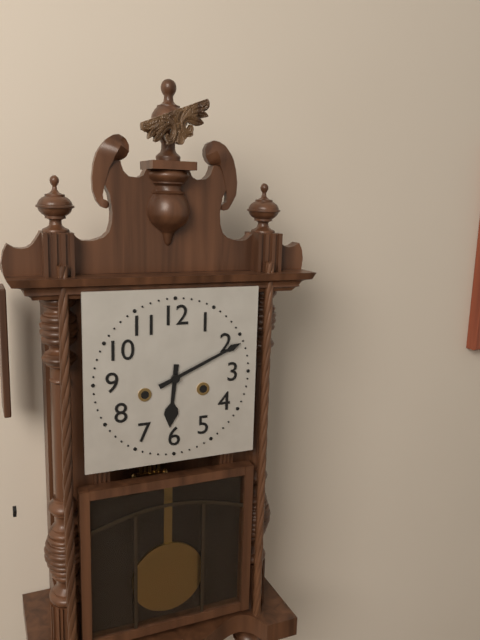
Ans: 6:11
